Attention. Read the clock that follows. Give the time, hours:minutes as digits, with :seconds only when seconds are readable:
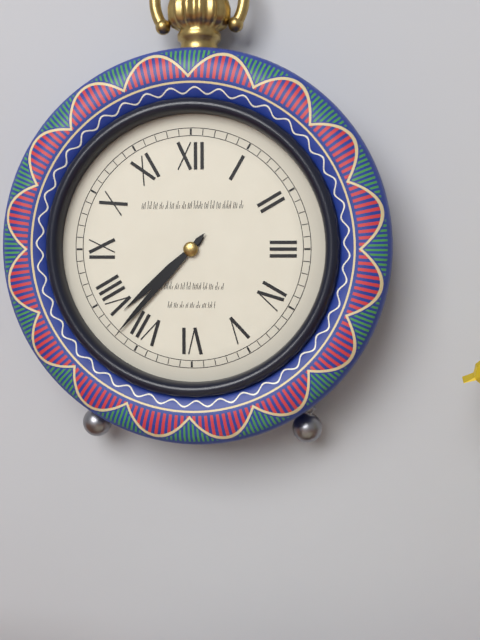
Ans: 7:37
